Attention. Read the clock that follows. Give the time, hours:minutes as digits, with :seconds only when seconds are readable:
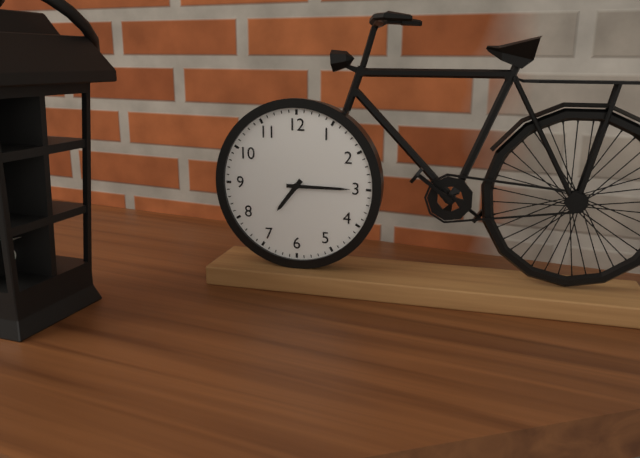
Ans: 7:15
